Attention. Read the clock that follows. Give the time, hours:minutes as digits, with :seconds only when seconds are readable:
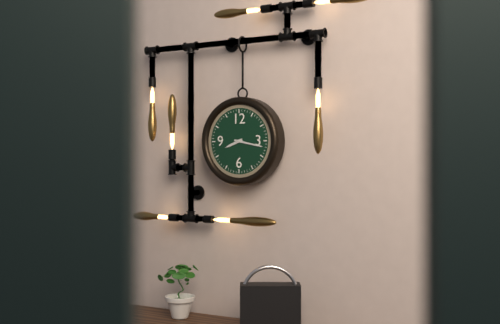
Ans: 8:17
